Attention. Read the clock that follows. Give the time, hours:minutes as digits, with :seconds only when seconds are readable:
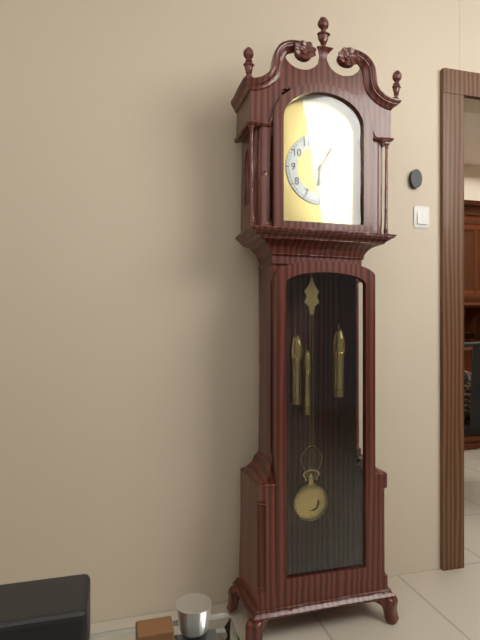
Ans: 6:05
